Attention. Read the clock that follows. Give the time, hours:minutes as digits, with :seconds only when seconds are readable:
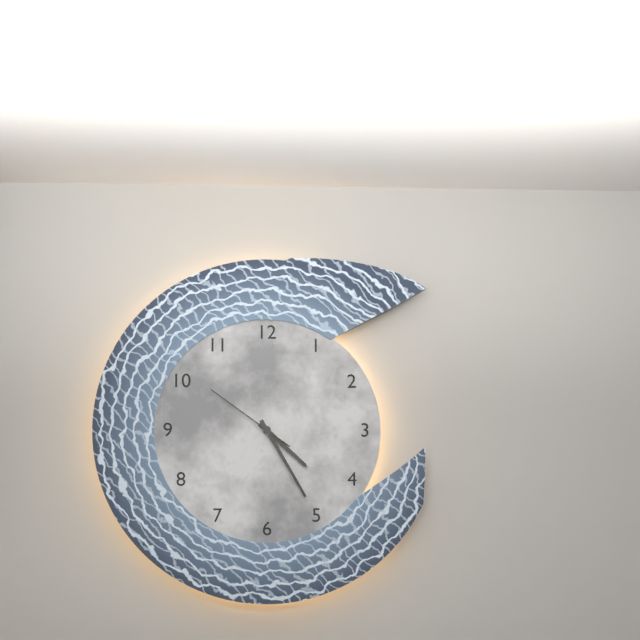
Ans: 4:25:51
